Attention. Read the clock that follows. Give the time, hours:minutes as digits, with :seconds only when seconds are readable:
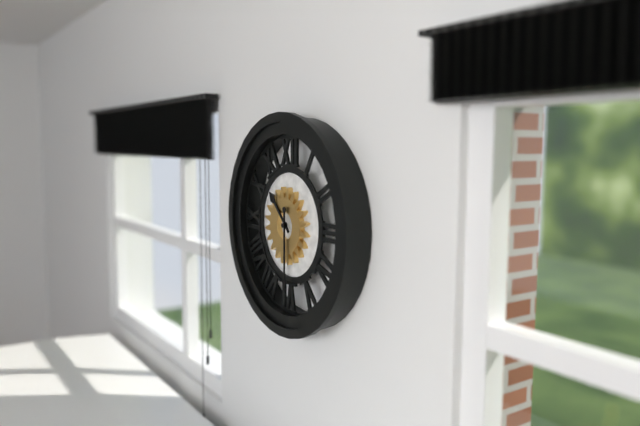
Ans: 10:30
